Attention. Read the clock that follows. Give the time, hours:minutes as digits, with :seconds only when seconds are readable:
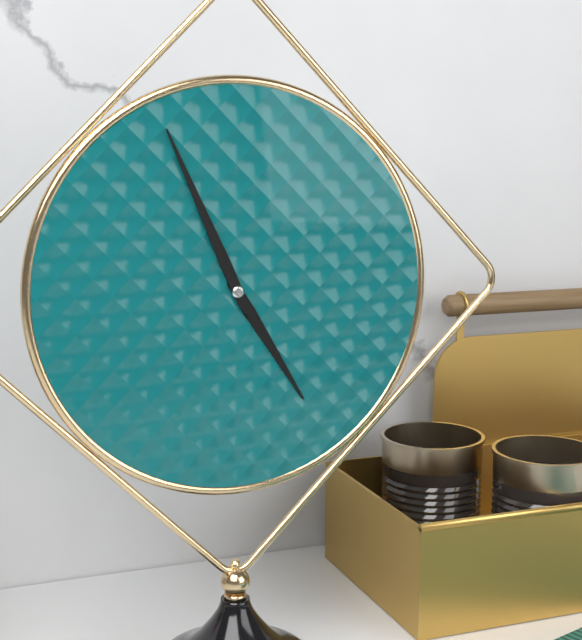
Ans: 4:56
